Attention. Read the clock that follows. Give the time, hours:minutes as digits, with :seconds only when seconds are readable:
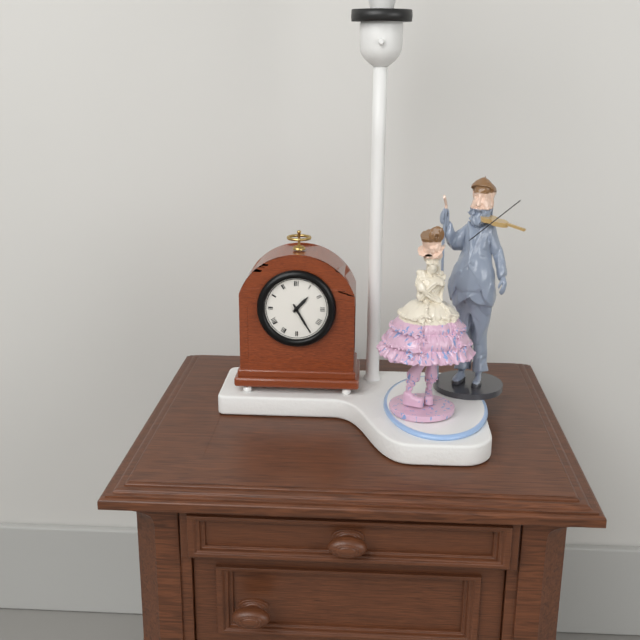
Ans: 1:25
